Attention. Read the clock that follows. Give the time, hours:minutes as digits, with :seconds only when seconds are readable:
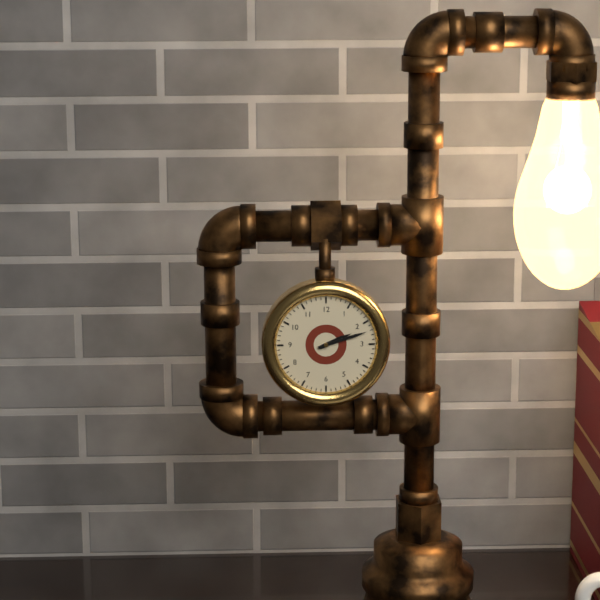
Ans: 2:12
